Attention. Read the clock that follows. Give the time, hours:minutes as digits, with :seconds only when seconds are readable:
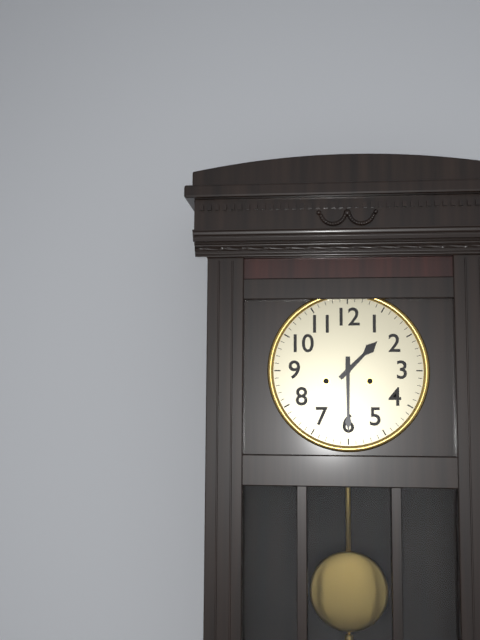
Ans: 1:30
